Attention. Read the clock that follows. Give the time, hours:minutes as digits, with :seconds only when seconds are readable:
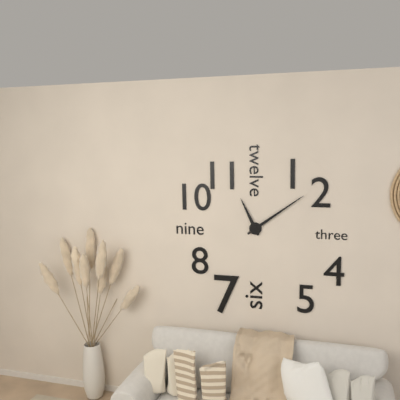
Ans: 11:09
